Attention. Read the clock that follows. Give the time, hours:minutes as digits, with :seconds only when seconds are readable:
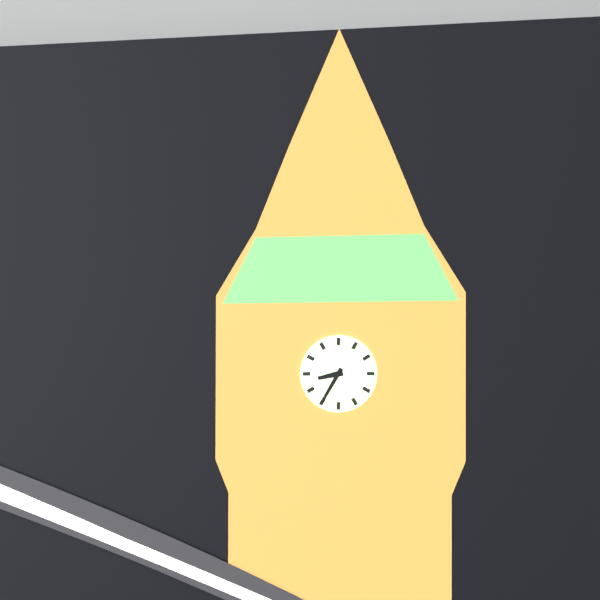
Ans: 8:35
